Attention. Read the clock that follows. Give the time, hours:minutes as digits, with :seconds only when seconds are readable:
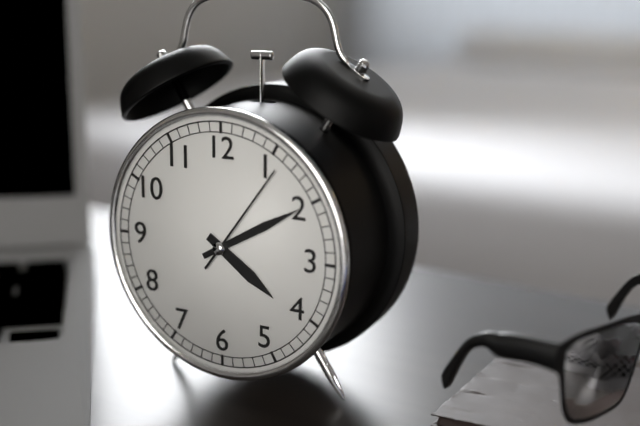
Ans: 4:10:06
